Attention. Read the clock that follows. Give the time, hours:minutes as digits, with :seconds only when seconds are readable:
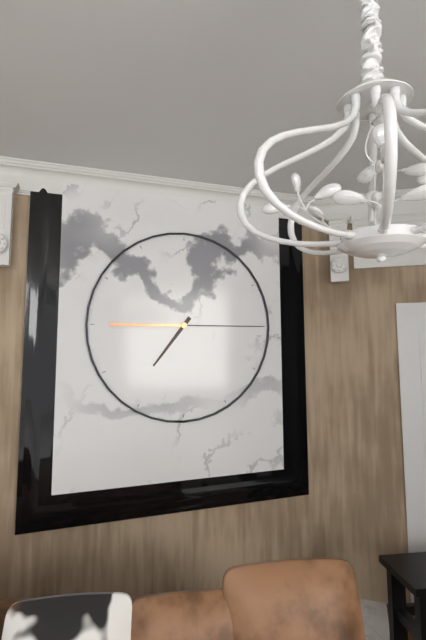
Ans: 7:15
